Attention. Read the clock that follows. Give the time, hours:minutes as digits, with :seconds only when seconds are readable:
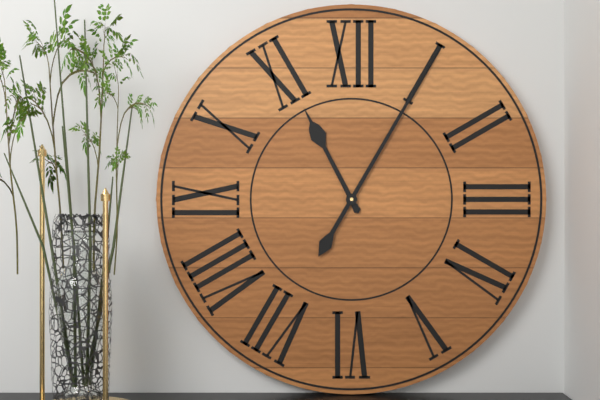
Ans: 11:05
